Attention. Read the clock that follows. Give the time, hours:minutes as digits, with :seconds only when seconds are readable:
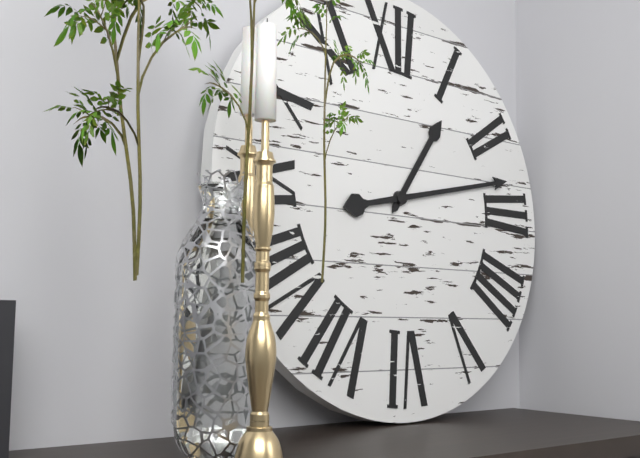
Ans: 1:13
